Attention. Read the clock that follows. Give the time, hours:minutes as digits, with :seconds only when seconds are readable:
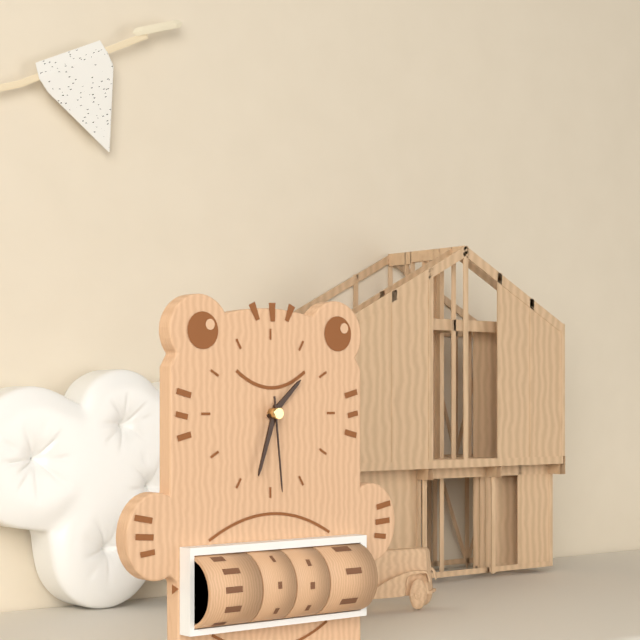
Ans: 1:33:29
